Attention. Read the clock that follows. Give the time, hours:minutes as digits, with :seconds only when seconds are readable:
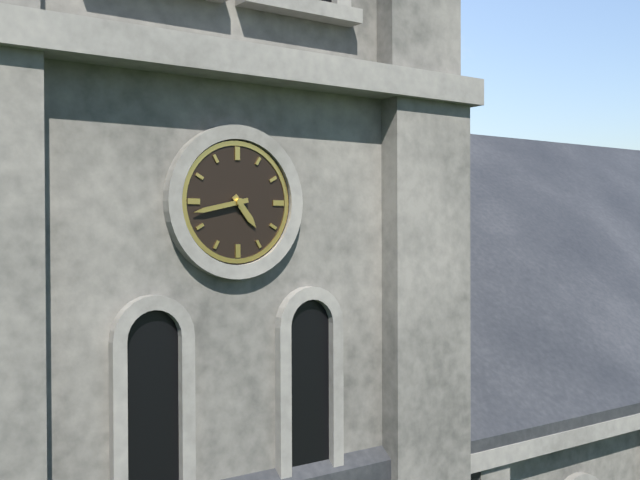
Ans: 4:43
